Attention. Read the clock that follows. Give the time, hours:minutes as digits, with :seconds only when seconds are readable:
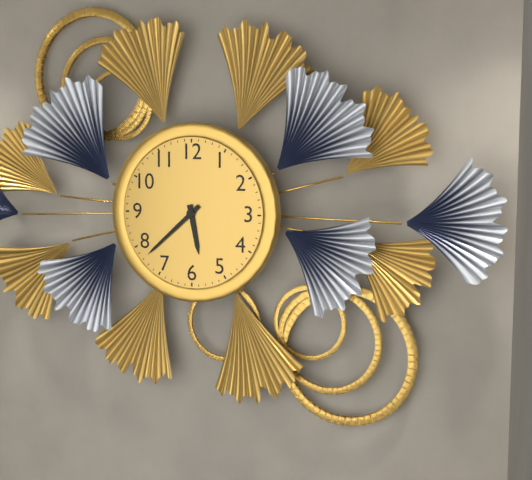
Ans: 5:38
